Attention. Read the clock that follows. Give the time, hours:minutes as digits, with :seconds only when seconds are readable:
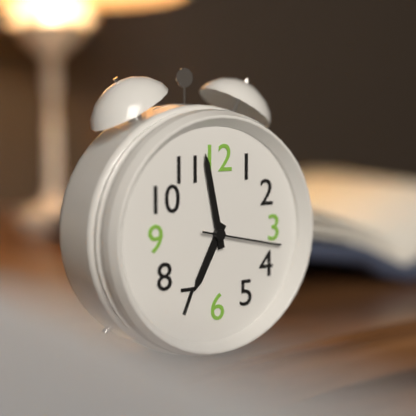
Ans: 6:58:17
